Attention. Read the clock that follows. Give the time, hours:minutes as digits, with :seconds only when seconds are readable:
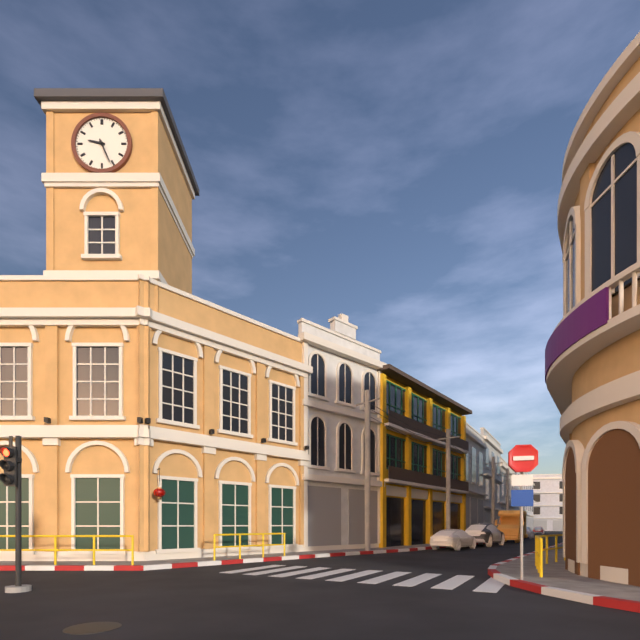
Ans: 9:26
